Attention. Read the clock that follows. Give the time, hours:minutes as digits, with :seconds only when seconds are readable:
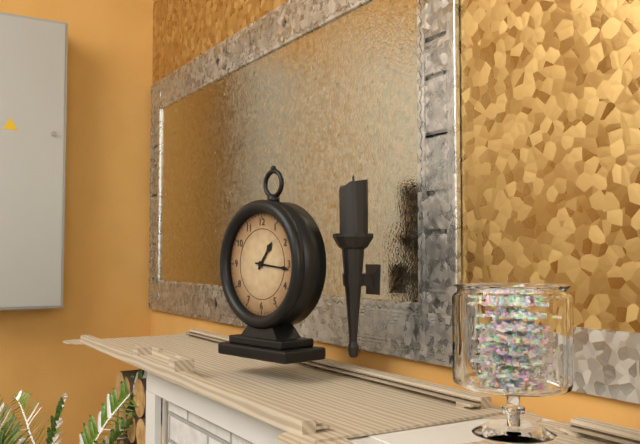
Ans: 1:16
